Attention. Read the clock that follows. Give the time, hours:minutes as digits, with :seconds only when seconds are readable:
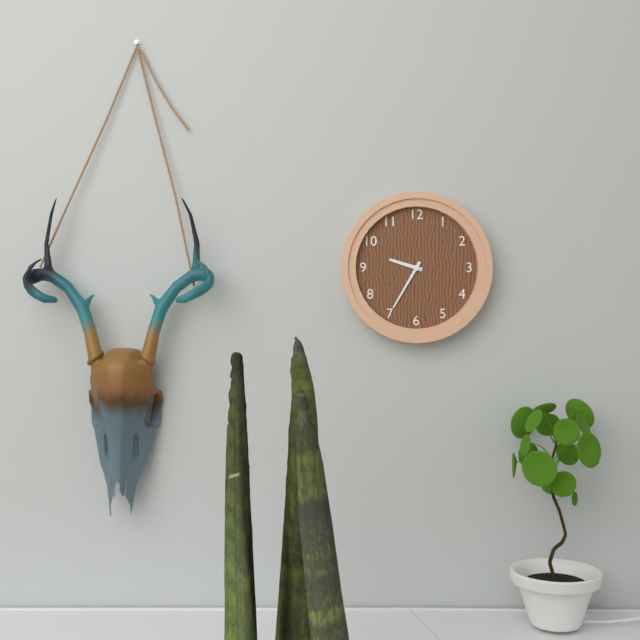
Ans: 9:35
